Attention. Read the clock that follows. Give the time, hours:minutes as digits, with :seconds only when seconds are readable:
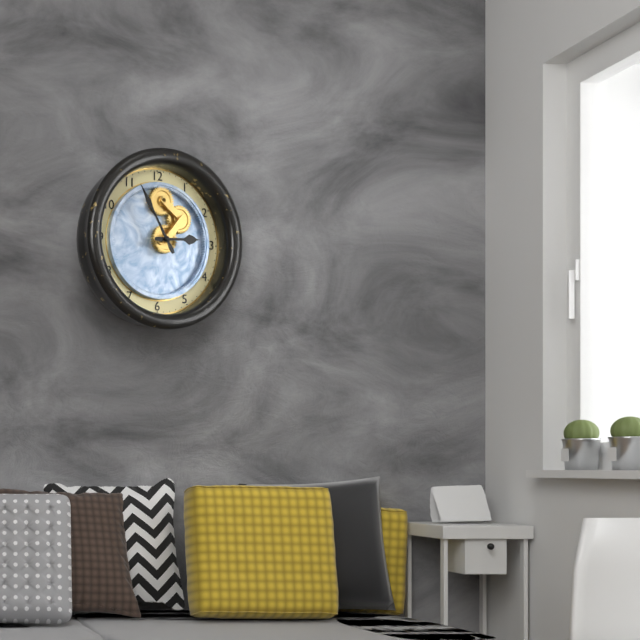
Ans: 2:55
